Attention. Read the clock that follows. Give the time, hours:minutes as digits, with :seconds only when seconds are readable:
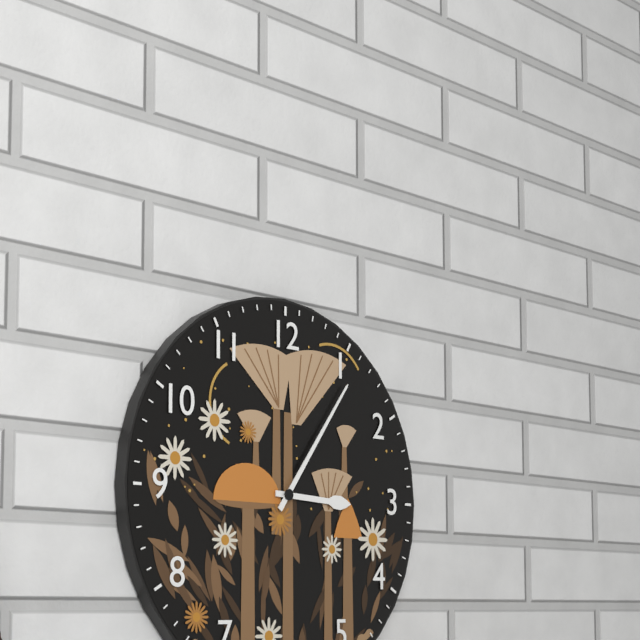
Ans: 3:06
